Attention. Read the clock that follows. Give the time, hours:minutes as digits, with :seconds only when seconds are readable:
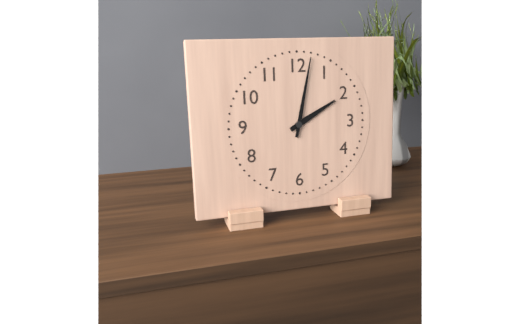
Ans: 2:02
